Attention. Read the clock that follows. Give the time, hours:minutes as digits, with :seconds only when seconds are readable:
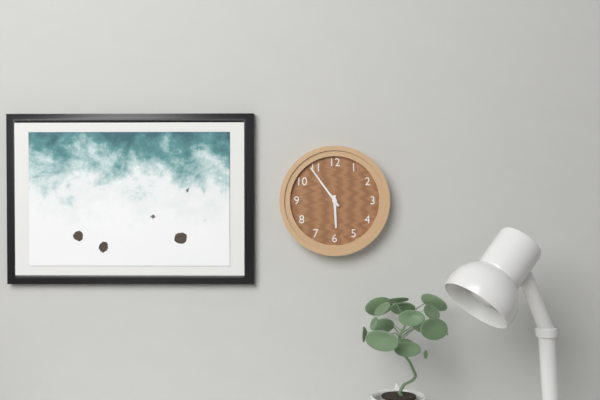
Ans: 5:54
